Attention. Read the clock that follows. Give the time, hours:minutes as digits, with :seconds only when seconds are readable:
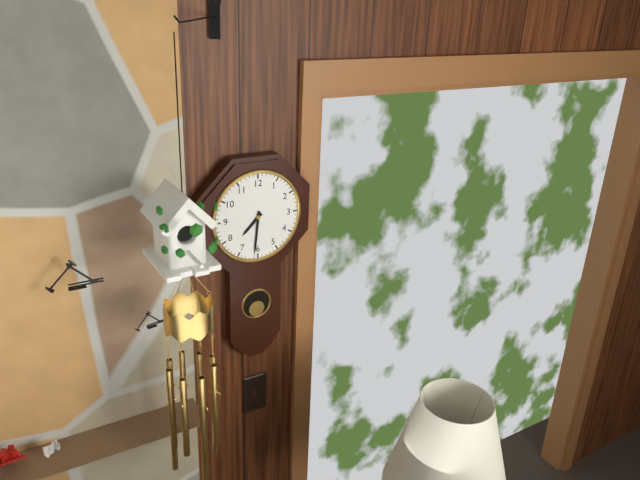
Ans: 7:31
